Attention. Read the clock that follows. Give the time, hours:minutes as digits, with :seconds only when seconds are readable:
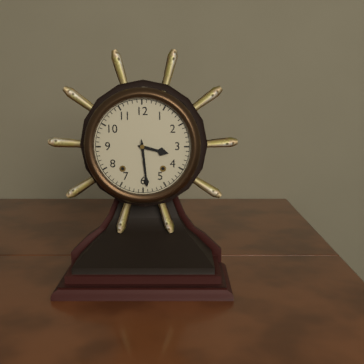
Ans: 3:29
